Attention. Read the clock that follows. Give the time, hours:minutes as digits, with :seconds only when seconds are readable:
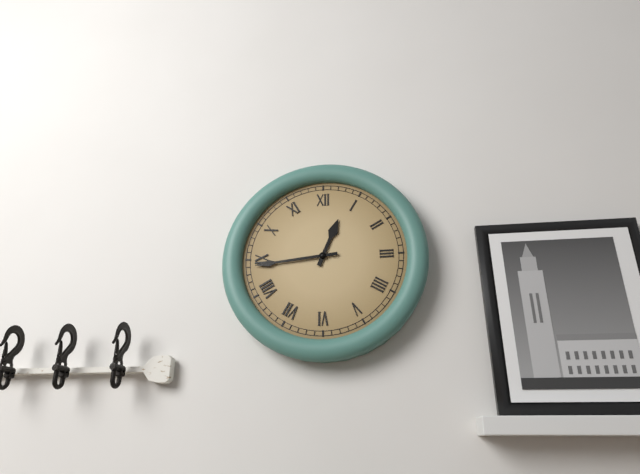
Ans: 12:44
